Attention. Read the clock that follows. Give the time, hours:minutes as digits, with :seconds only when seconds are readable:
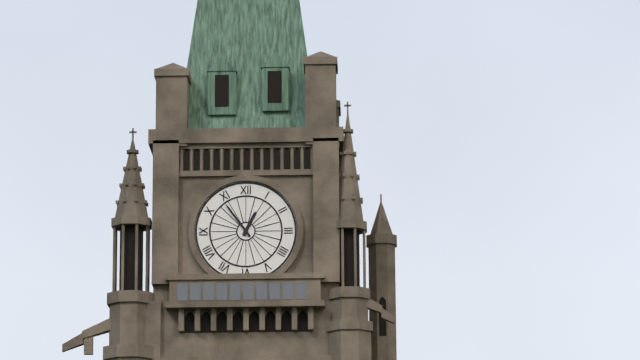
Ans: 12:54
